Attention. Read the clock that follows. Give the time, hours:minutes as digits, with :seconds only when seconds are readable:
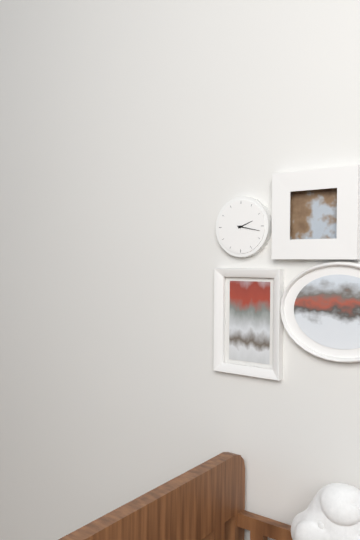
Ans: 2:17
